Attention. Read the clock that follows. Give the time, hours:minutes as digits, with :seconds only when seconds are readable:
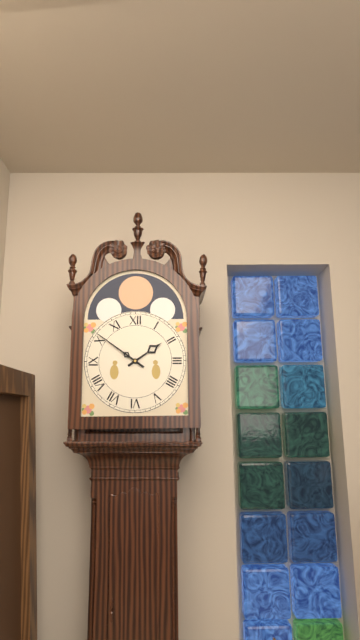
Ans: 1:51
